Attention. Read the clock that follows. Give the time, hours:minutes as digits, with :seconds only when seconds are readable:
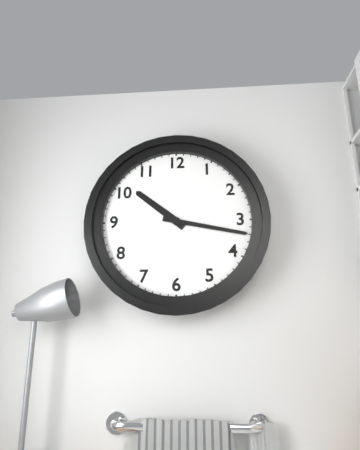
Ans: 10:17
